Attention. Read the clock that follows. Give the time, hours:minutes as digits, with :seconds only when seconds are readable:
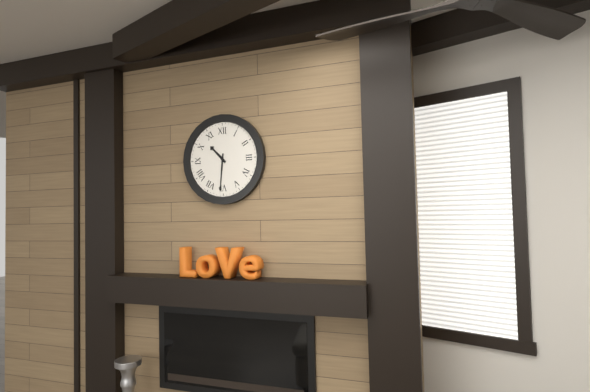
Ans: 10:31
